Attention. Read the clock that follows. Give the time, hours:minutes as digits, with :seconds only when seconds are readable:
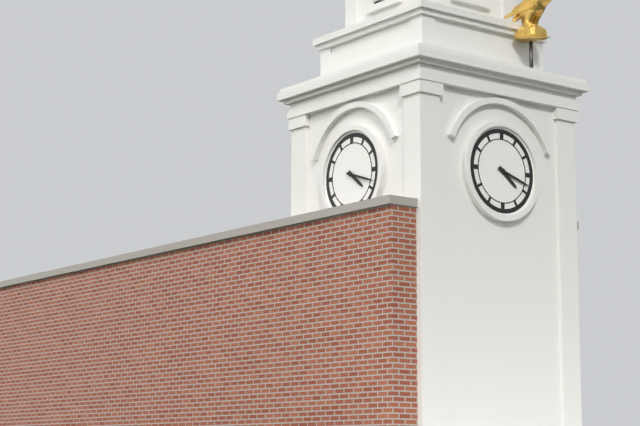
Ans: 4:18
